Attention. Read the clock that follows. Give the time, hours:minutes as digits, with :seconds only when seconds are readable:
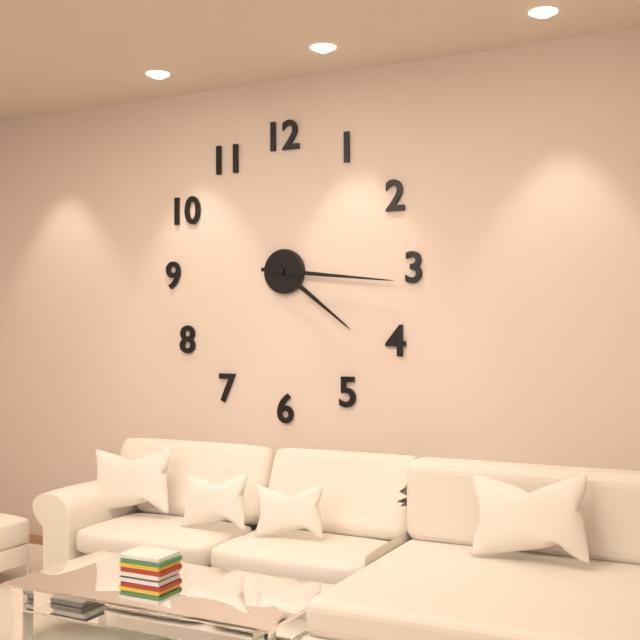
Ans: 4:16
